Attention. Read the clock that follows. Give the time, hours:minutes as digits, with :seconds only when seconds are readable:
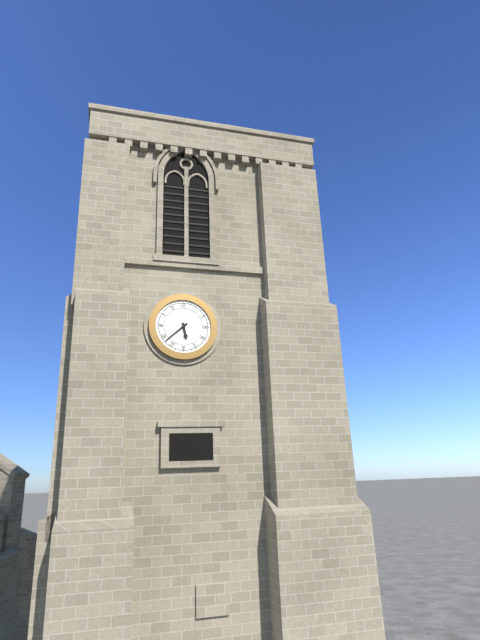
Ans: 5:38
